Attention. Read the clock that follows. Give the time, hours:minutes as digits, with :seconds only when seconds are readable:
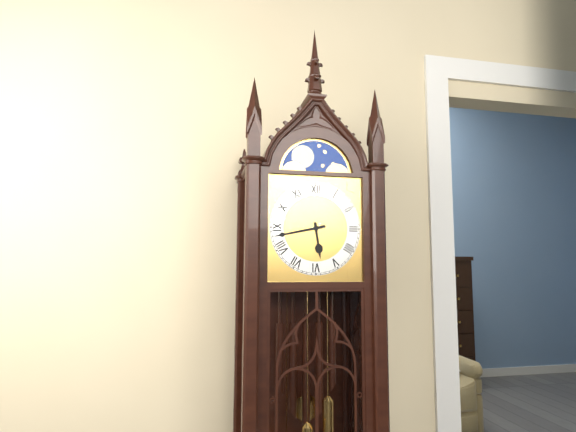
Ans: 5:43
